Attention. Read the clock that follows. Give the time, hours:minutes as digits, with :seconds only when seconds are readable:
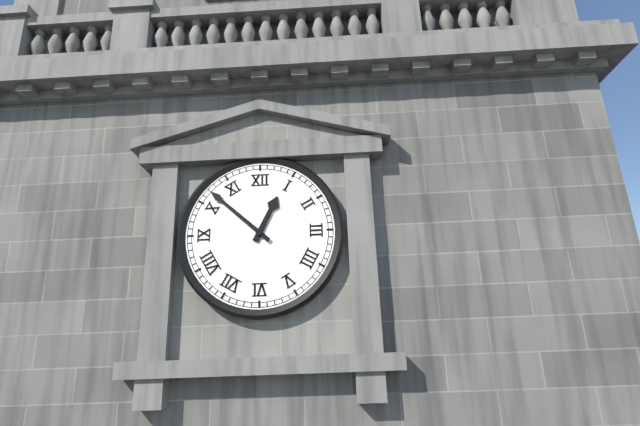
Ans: 12:52
